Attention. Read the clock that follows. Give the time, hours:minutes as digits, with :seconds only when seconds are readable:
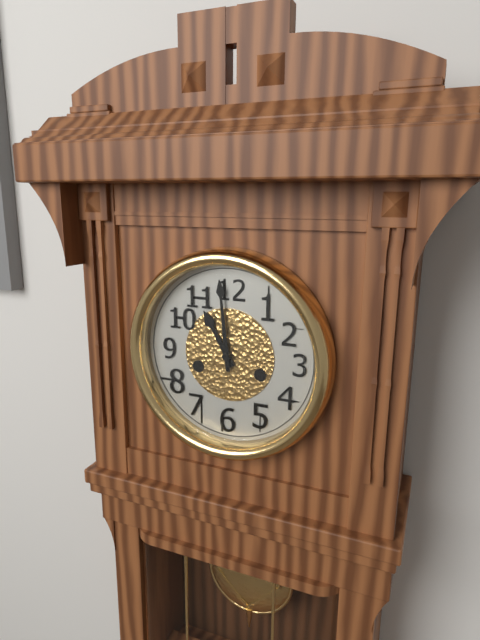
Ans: 10:59
